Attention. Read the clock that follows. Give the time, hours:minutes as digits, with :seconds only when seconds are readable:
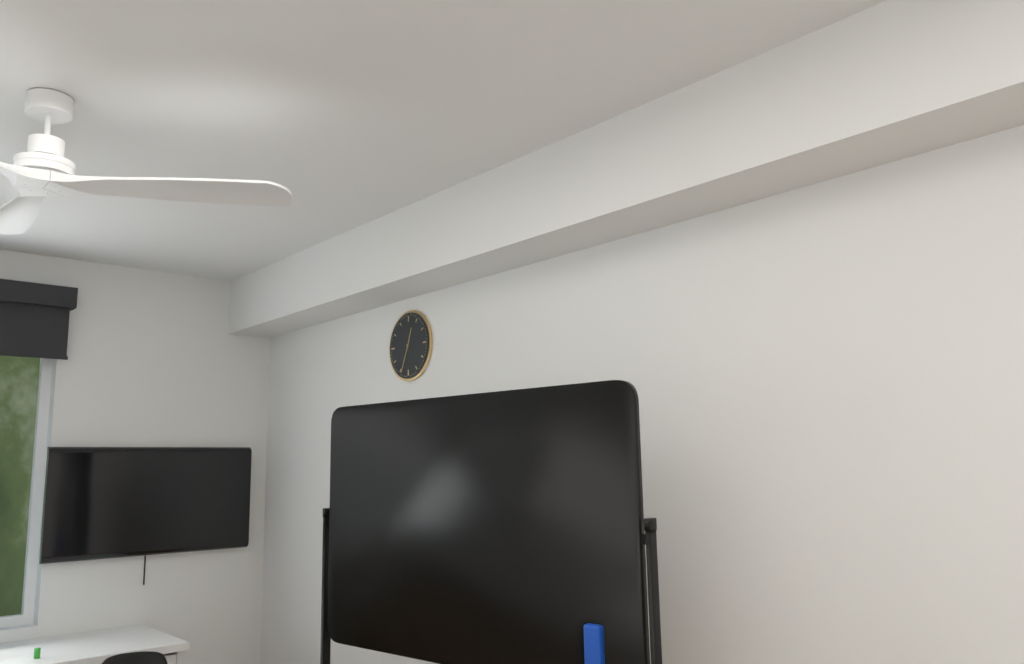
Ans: 12:34
